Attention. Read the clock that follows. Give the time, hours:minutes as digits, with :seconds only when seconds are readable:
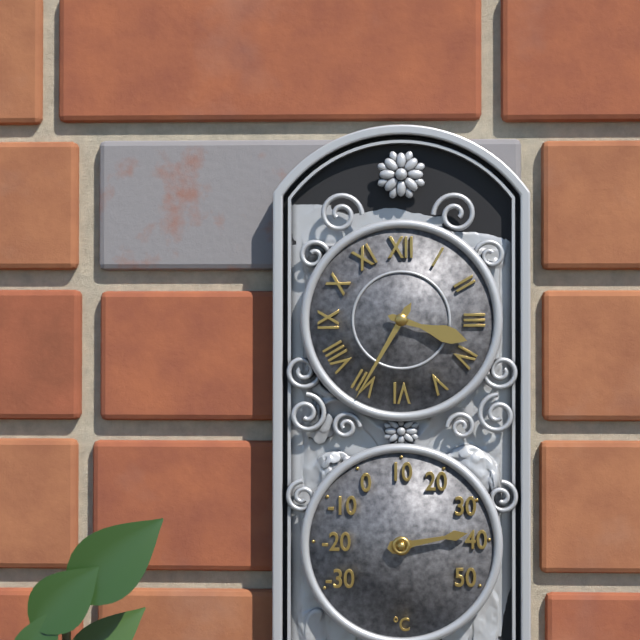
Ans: 3:35
